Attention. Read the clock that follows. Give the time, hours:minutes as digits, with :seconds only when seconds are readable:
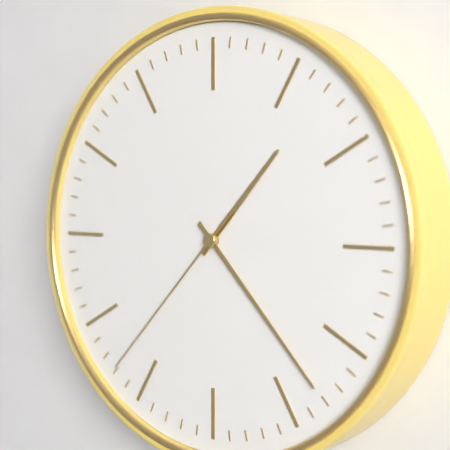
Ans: 1:23:37
